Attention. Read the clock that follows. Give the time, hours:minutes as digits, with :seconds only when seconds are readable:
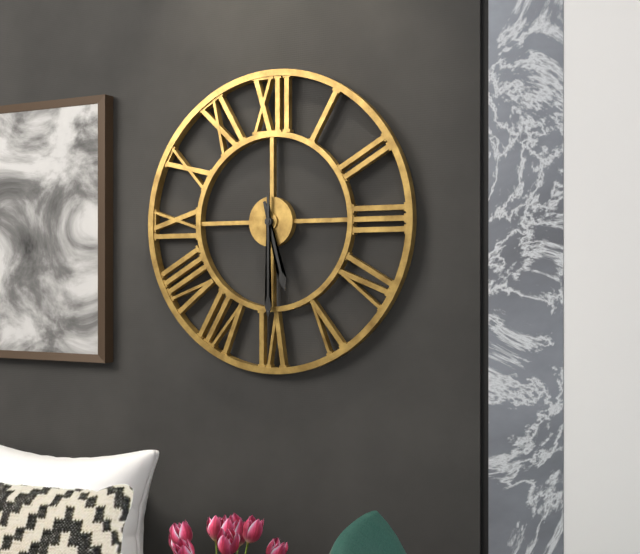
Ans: 5:30
